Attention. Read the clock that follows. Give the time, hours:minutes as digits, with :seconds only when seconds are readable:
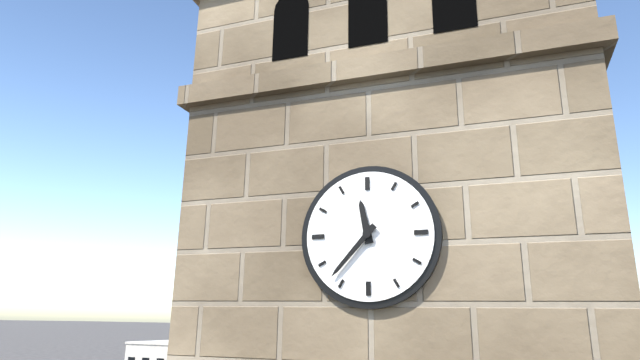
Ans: 11:37
